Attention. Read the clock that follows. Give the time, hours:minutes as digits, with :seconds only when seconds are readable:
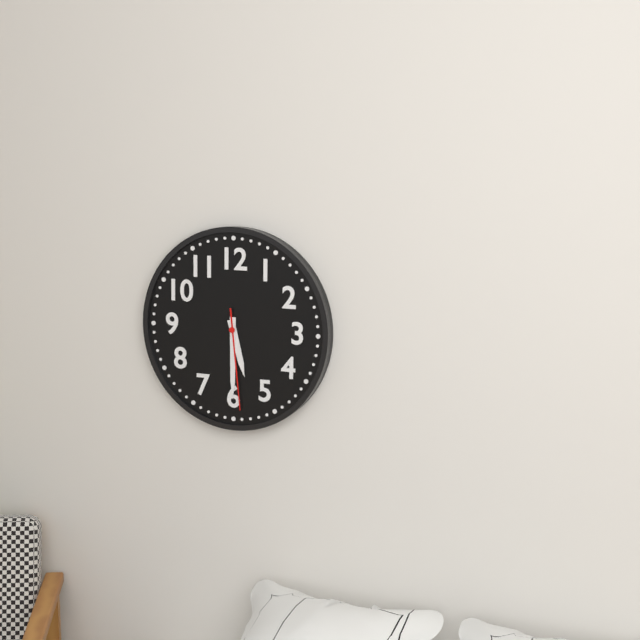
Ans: 5:30:29
